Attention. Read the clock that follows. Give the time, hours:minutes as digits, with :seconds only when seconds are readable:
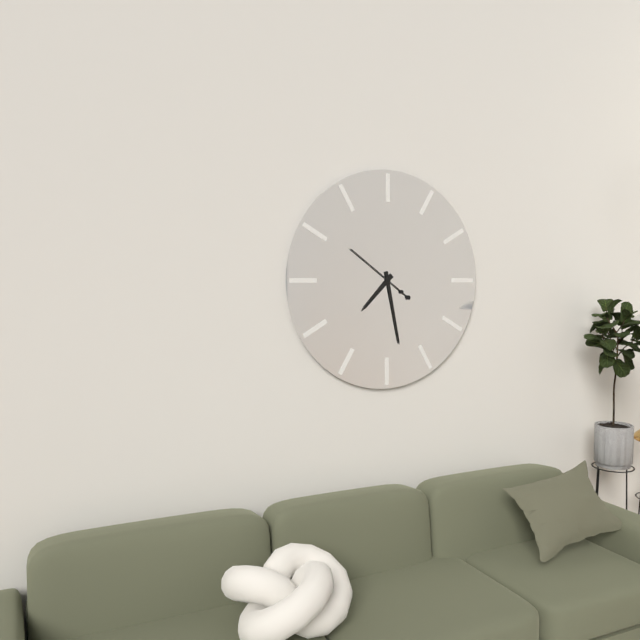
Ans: 7:28:51
